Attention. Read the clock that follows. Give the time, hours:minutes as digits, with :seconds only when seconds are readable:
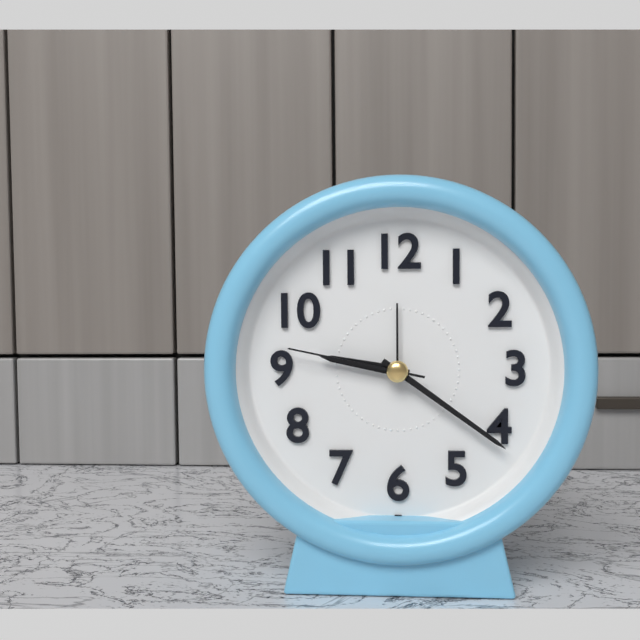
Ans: 9:21:47
